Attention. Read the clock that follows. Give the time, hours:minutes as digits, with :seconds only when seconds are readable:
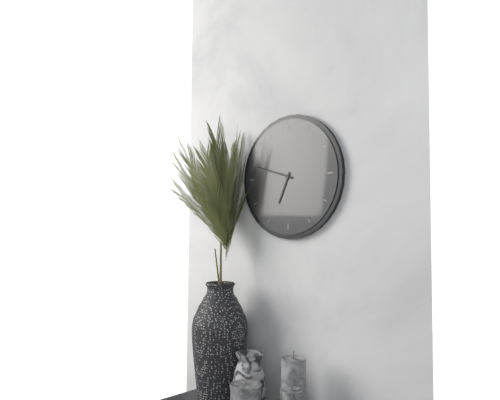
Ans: 6:48
